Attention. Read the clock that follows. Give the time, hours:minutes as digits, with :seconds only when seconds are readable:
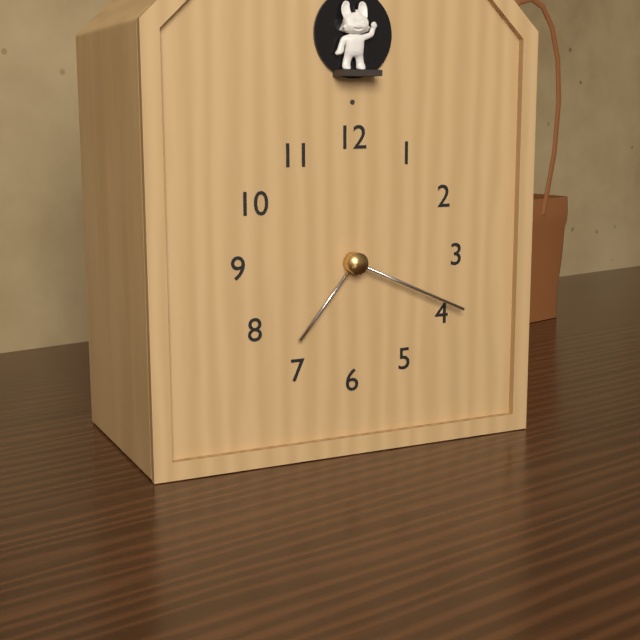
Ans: 7:19
